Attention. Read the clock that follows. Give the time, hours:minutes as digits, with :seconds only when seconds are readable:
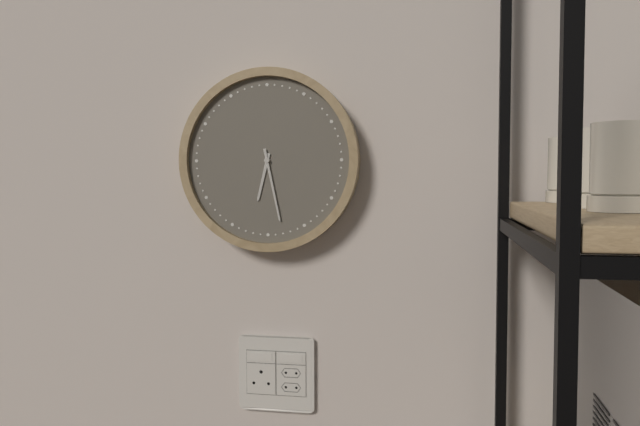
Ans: 6:28
